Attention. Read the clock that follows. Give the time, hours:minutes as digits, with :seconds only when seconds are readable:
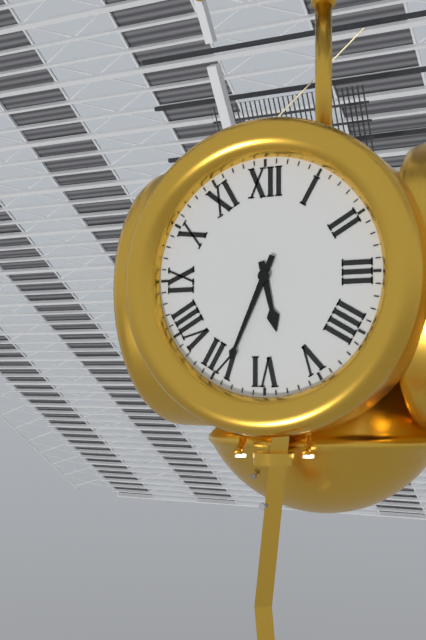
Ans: 5:34
